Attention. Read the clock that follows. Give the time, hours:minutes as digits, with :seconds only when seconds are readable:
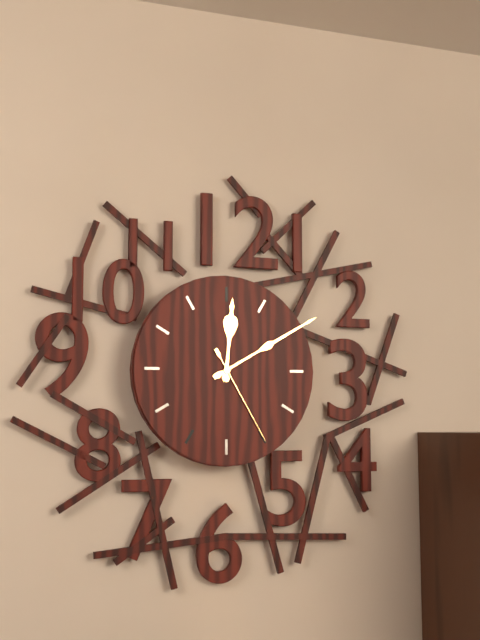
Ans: 12:10:25
